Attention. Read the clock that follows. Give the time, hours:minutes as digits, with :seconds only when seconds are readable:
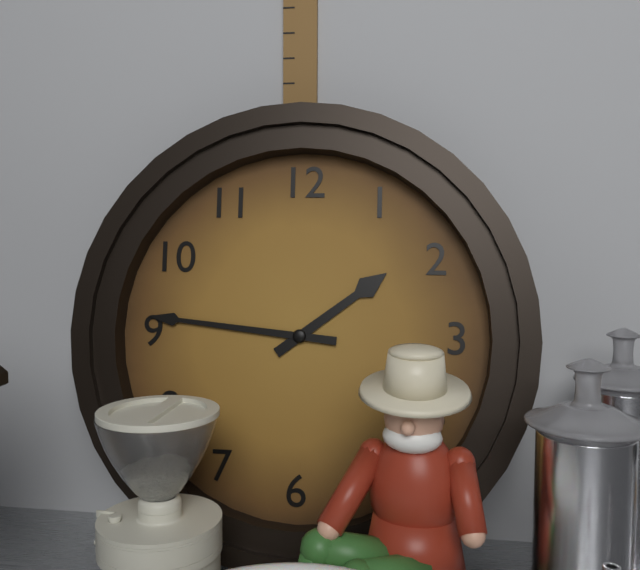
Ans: 1:46
